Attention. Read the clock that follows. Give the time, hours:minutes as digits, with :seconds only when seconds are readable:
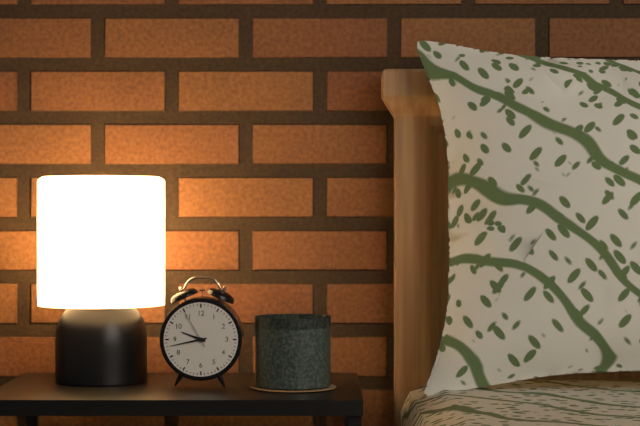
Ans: 9:43
